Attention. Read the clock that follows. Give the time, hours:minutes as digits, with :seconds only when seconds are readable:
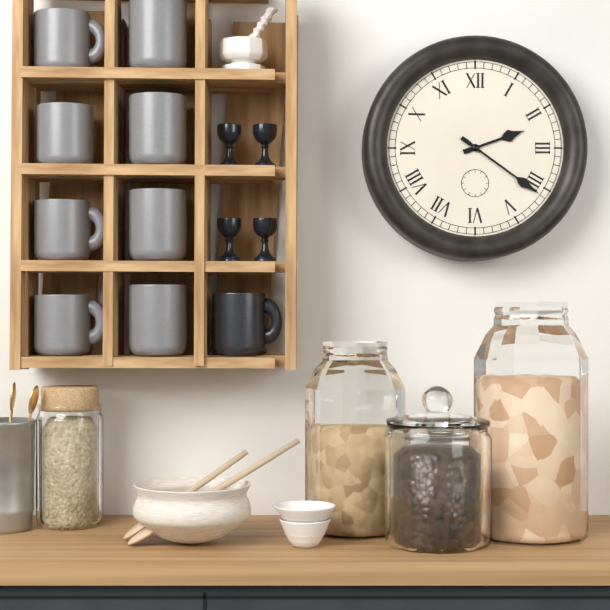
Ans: 2:21
